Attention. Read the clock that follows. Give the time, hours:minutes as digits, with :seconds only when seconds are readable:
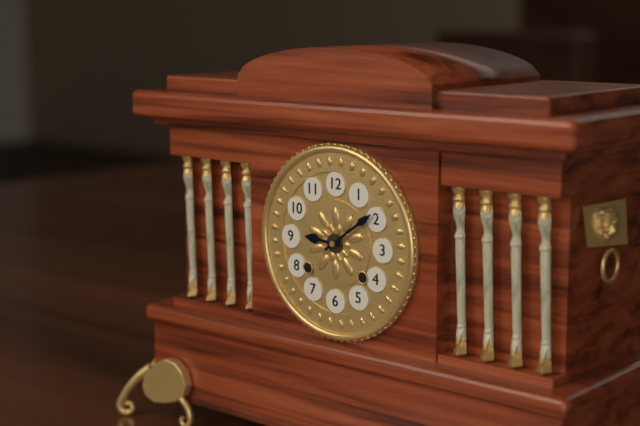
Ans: 9:09
